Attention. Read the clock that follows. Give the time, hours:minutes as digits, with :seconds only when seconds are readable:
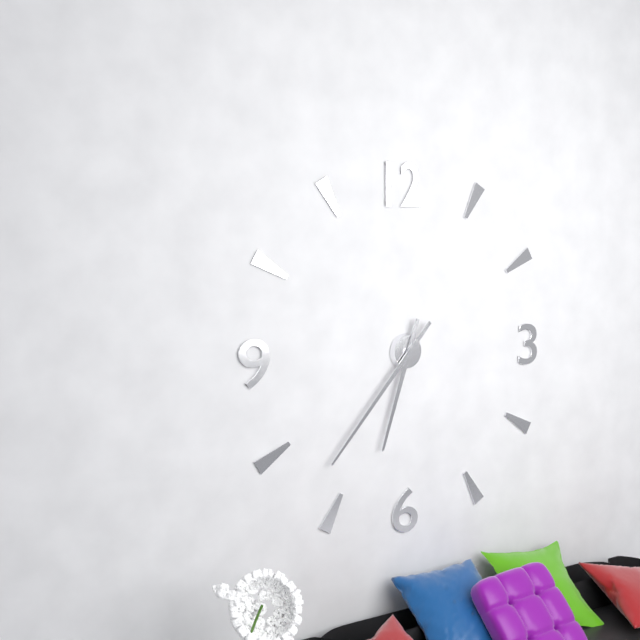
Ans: 6:37
